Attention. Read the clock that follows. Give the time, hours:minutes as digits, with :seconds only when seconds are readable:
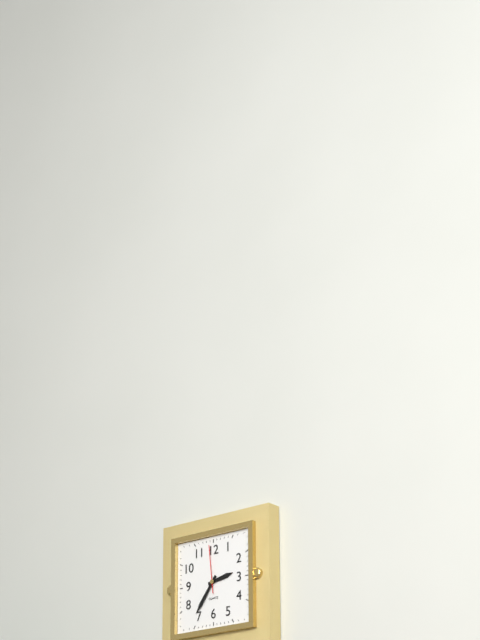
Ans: 2:36
